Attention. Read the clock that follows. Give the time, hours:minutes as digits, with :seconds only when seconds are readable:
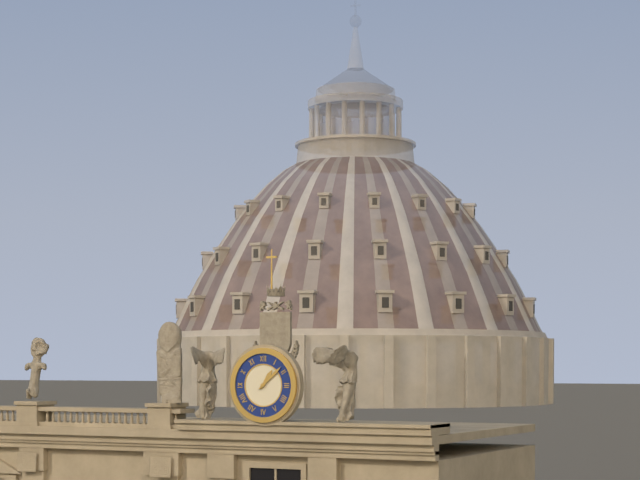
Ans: 1:08
